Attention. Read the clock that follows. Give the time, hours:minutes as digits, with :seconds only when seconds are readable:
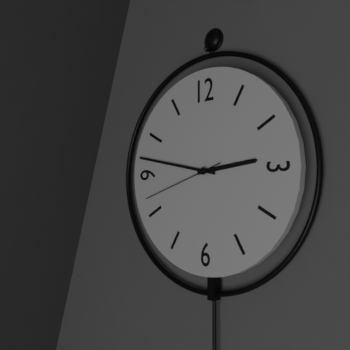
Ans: 2:47:42
